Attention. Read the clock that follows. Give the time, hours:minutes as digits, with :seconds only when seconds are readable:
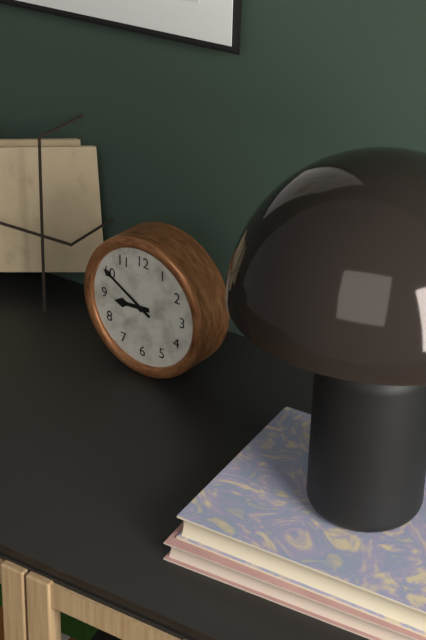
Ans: 8:50
